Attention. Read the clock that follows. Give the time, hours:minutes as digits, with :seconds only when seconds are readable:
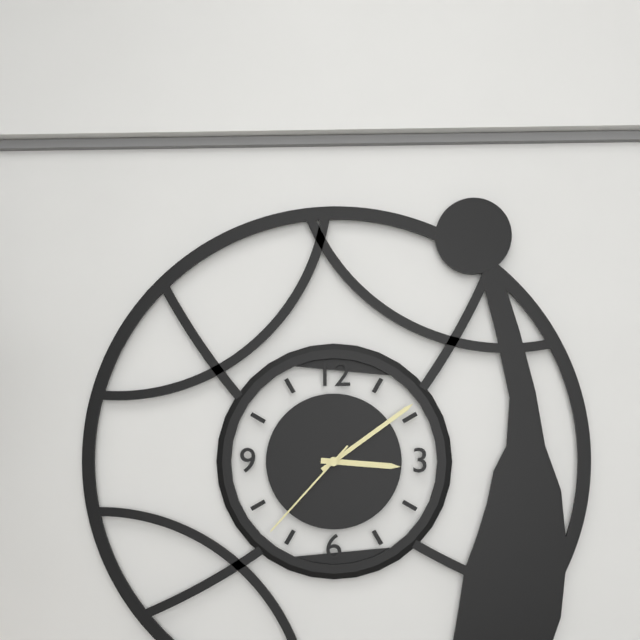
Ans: 3:09:37
